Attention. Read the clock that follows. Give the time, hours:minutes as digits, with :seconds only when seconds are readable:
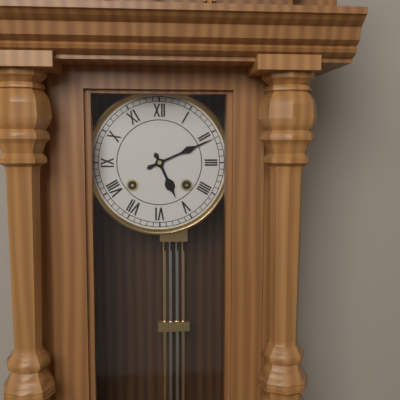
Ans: 5:11
